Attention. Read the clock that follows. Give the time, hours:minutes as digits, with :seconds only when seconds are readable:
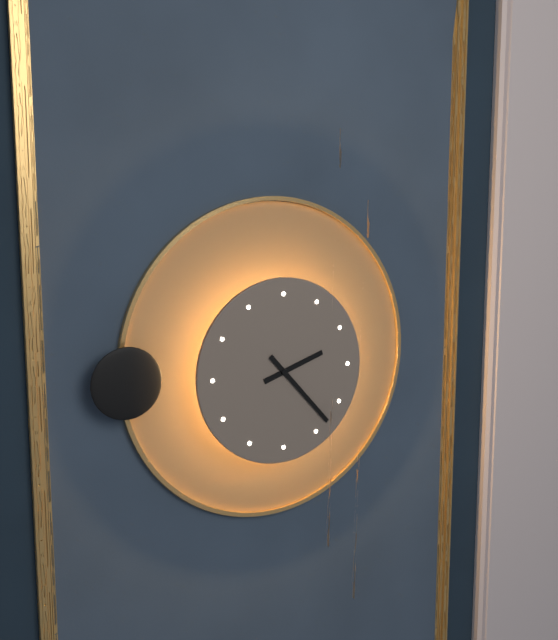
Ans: 2:23
